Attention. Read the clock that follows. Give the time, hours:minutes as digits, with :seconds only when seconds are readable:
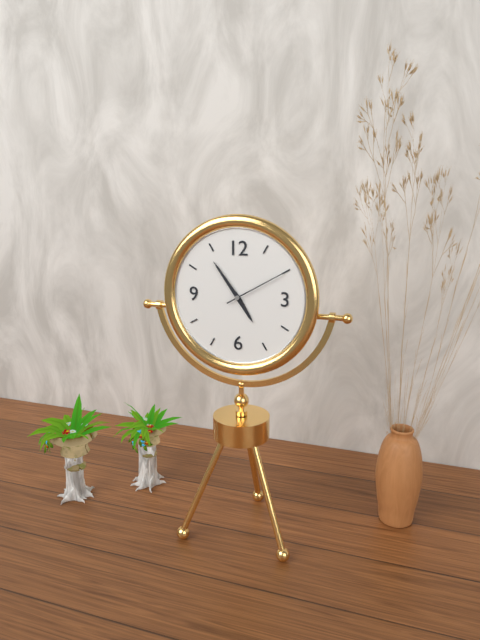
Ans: 4:54:10
